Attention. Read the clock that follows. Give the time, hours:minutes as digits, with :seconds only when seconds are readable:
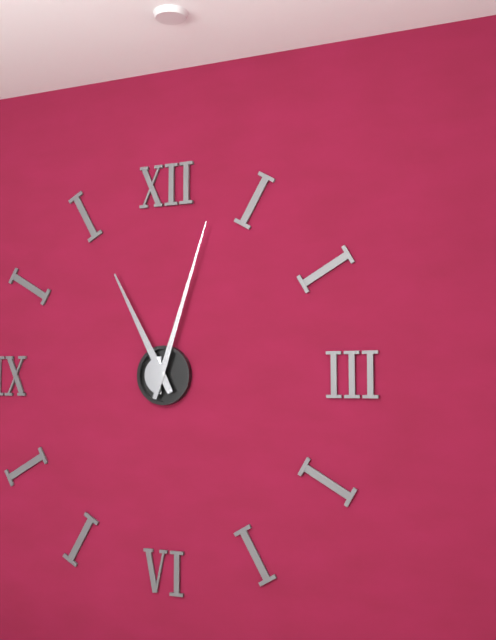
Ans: 11:03
